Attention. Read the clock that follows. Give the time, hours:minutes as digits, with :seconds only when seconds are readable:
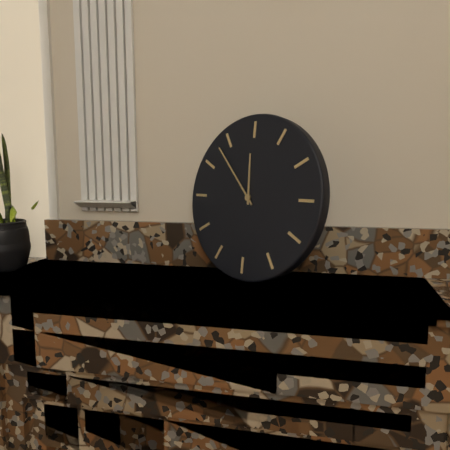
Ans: 11:53
